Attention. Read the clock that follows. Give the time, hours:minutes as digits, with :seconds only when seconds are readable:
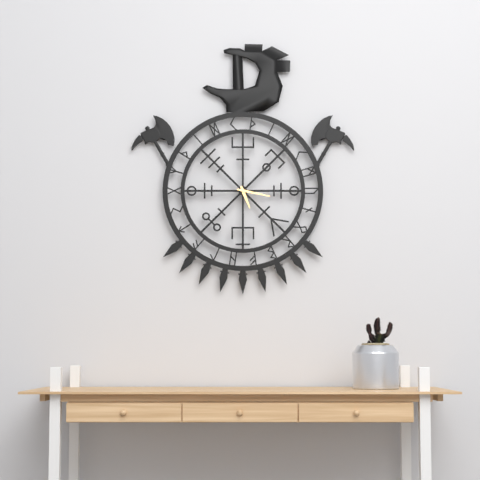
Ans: 5:17
